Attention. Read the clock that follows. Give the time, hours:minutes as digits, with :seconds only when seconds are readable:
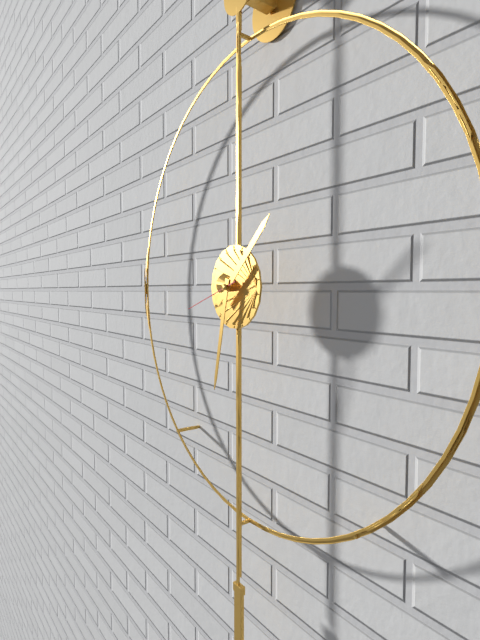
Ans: 1:32:42
